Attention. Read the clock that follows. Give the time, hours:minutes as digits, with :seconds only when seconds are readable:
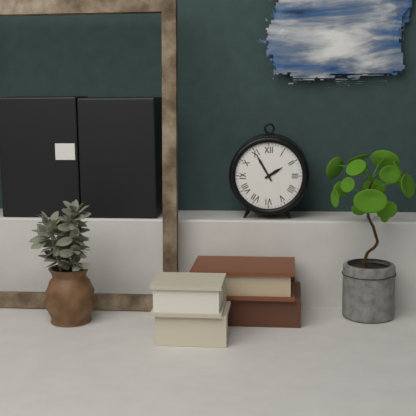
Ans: 1:55
